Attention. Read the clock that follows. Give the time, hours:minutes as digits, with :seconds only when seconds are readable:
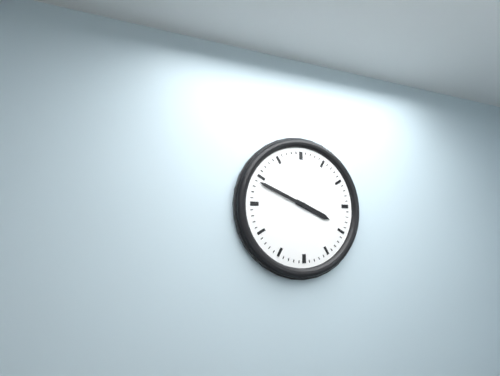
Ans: 3:49
